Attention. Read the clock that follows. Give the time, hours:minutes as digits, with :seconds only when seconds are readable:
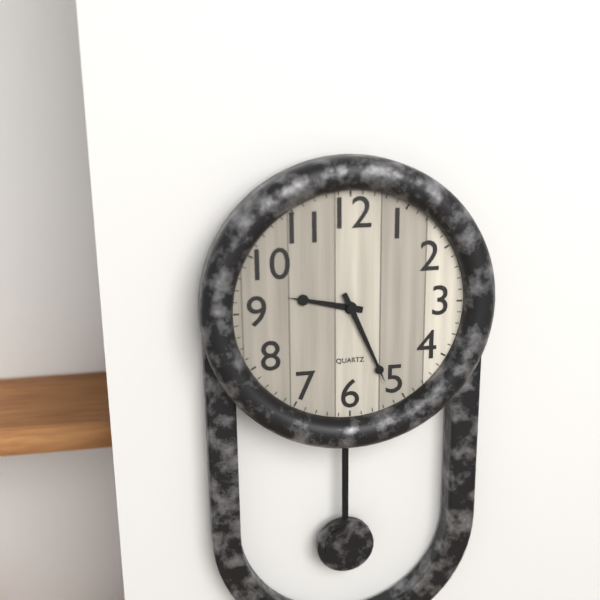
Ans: 9:26
